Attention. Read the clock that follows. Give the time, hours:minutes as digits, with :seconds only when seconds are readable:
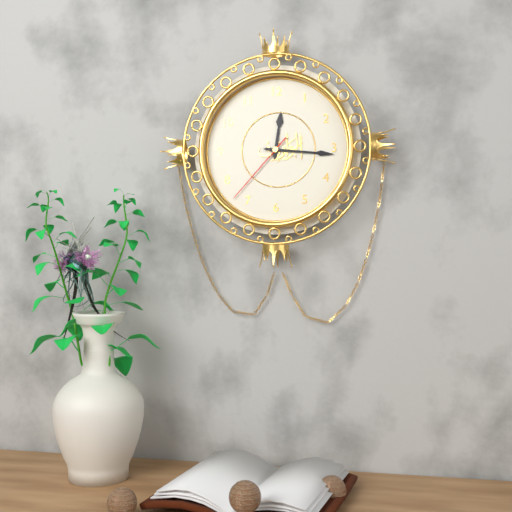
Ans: 12:16:37
